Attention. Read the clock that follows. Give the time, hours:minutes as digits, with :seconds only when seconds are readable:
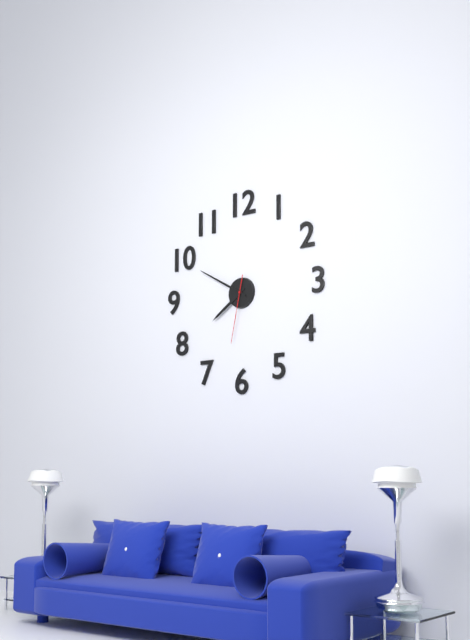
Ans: 7:50:32
